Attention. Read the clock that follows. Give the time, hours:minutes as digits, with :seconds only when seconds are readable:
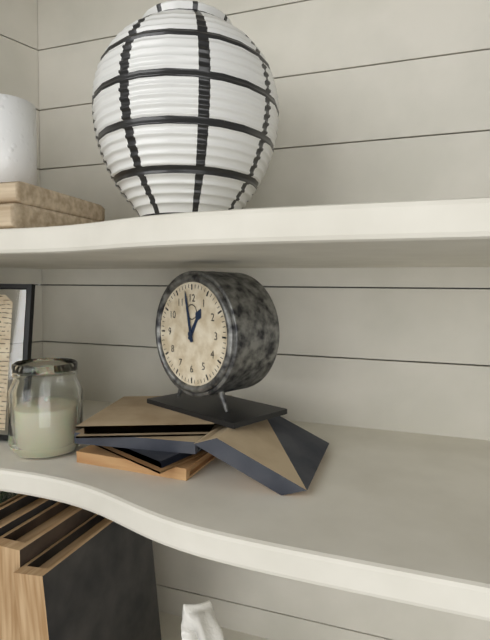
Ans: 12:58
